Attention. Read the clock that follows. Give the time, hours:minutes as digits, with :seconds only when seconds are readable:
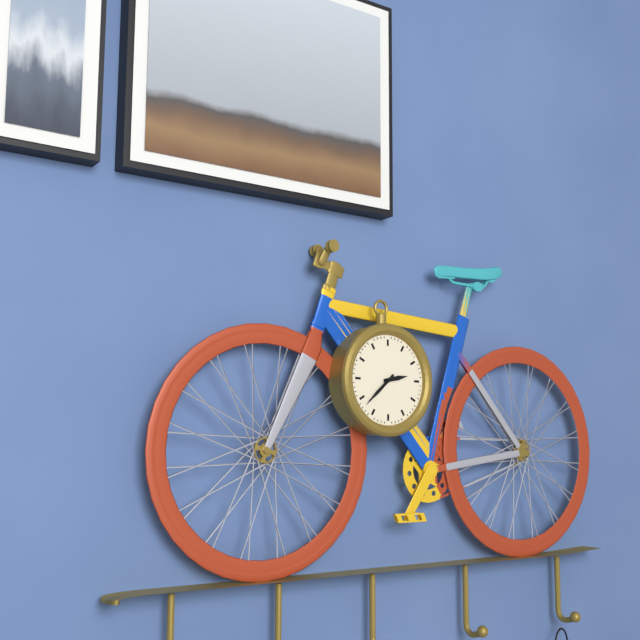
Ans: 2:38
